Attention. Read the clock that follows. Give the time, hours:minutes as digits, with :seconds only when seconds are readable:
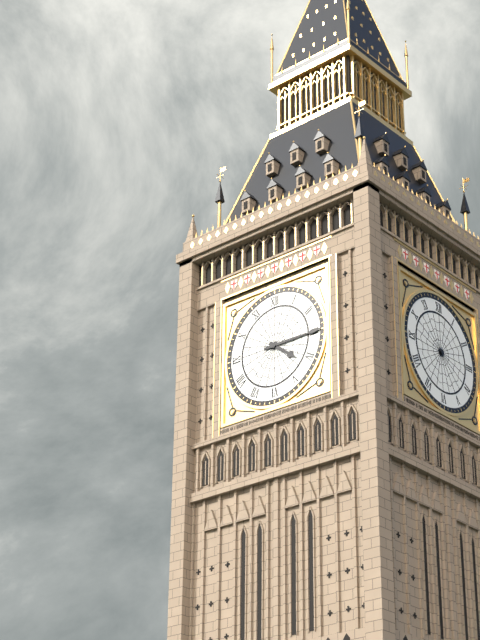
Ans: 4:15
